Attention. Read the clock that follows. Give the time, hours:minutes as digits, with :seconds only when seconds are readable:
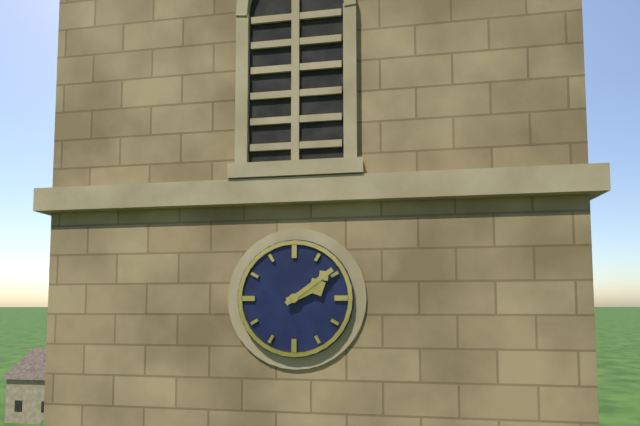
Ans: 2:09
